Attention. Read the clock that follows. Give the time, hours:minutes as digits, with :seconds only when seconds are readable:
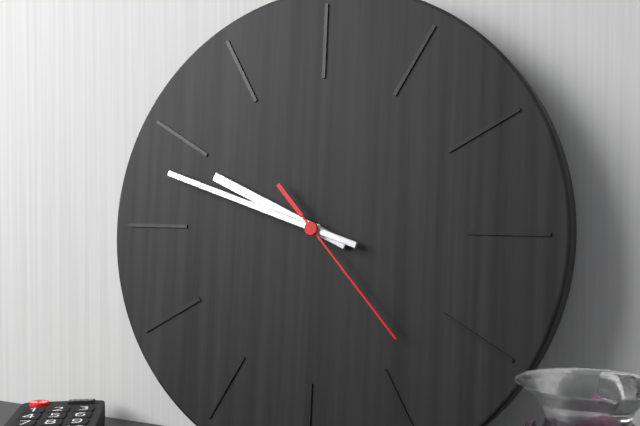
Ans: 9:48:23
